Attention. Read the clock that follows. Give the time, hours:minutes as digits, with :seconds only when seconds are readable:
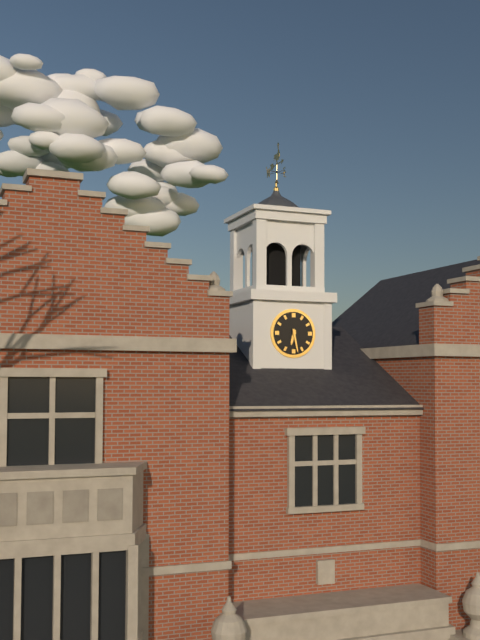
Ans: 6:28
